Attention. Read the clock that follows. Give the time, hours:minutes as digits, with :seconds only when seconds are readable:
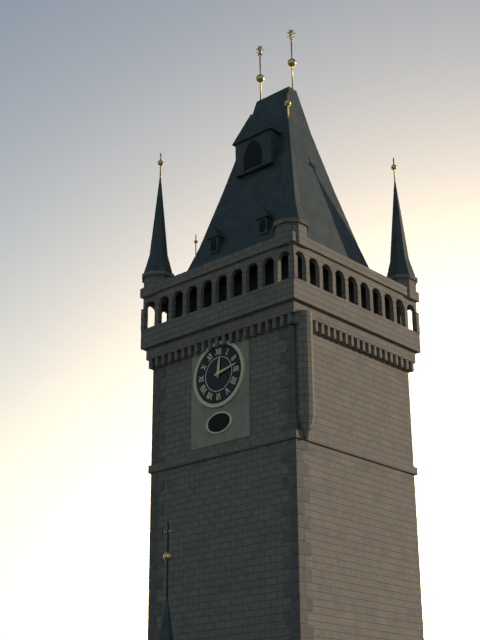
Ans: 12:13
